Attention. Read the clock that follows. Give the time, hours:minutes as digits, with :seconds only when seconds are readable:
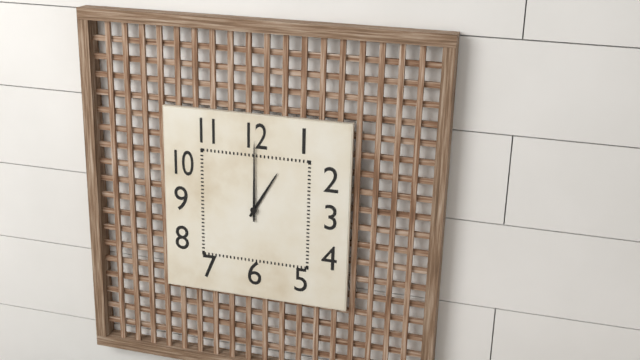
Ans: 1:00
